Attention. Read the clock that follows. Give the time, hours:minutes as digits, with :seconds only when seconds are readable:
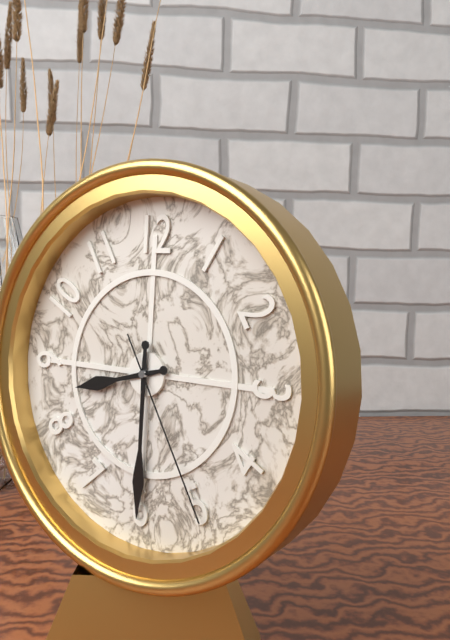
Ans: 8:30:25
